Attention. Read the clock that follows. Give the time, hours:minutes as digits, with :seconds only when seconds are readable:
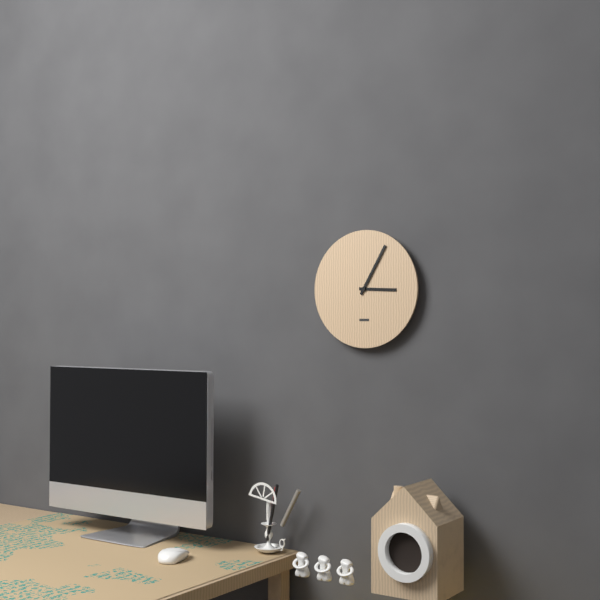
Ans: 3:05
